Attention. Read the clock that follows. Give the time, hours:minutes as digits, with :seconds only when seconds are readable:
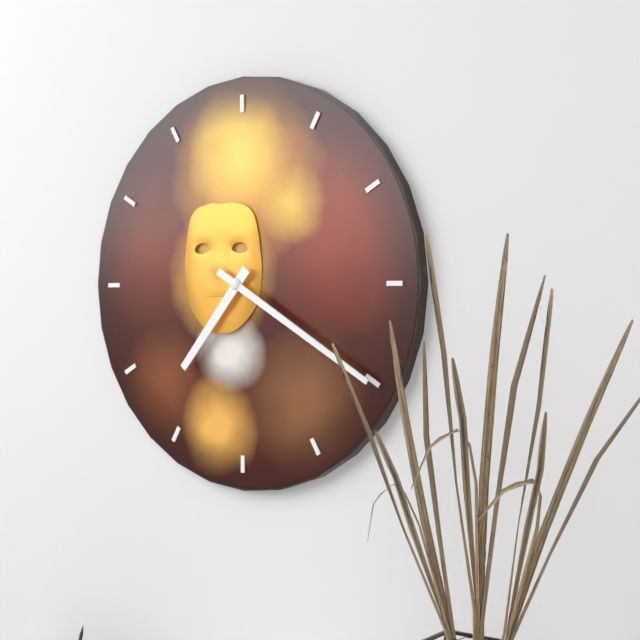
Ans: 7:20
